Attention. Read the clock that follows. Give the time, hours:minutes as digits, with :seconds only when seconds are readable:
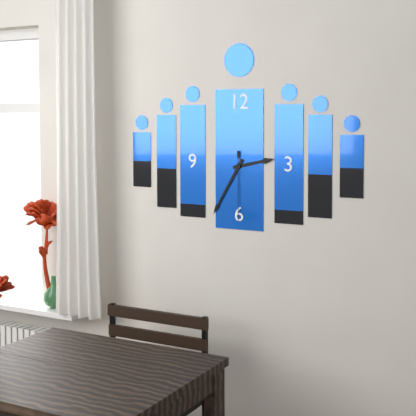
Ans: 2:35:30
